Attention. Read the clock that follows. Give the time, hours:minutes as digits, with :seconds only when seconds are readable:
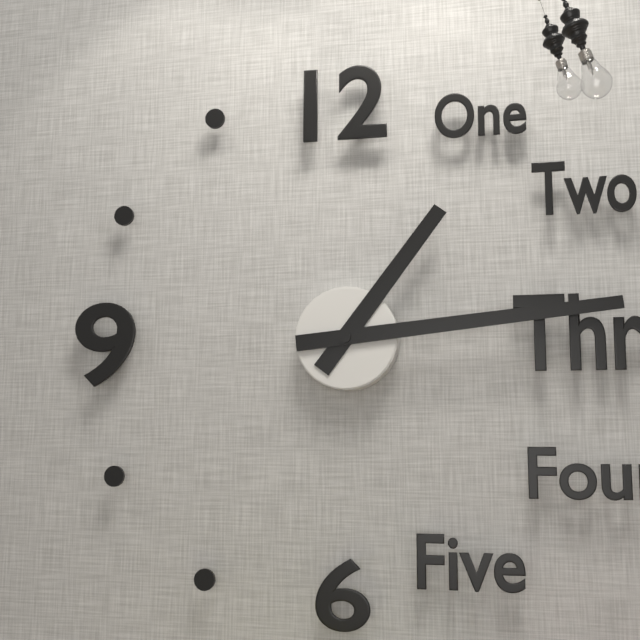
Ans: 1:14
